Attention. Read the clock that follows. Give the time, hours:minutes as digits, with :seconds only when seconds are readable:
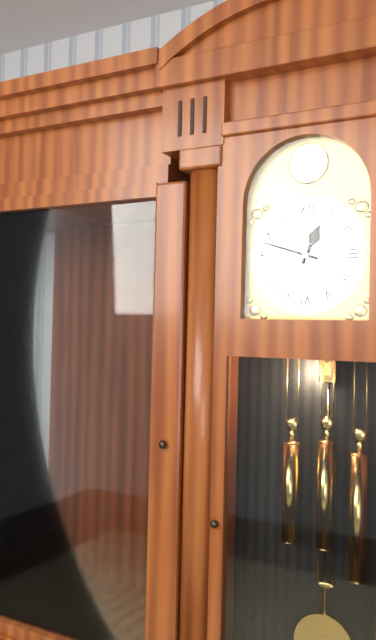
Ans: 12:48
